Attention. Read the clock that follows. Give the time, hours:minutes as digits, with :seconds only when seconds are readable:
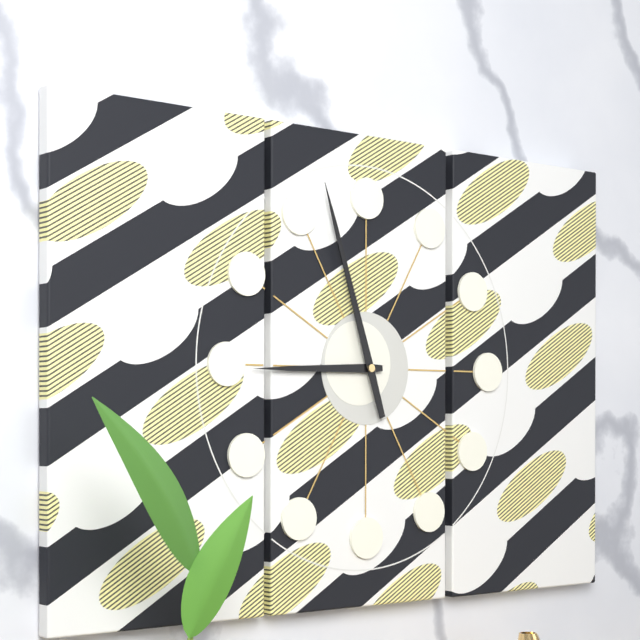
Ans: 8:57
